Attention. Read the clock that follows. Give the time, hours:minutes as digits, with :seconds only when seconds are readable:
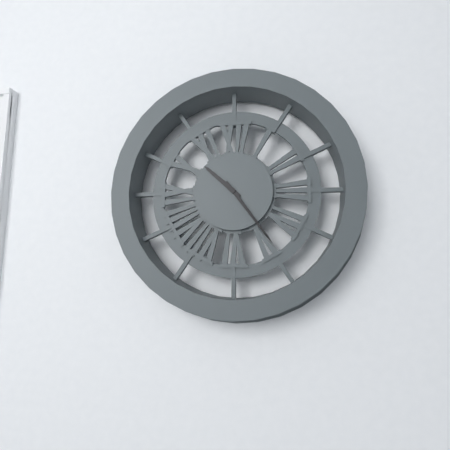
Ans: 10:24
